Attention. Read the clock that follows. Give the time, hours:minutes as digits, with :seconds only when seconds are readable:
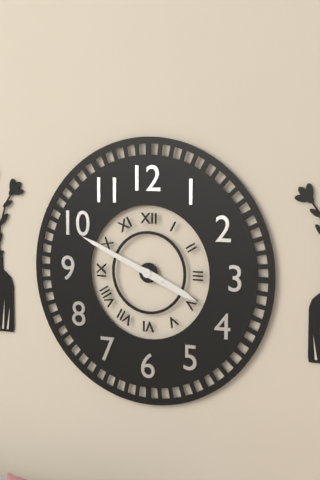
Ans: 3:49
